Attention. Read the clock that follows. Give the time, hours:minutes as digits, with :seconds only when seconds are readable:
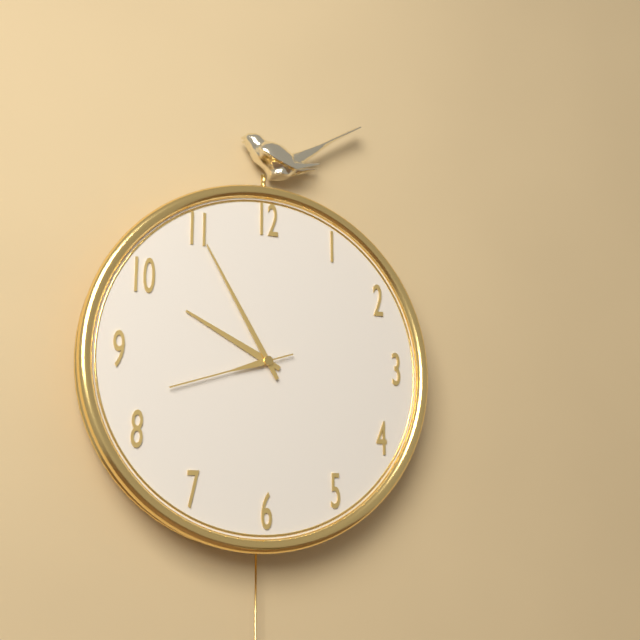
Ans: 9:55:42
